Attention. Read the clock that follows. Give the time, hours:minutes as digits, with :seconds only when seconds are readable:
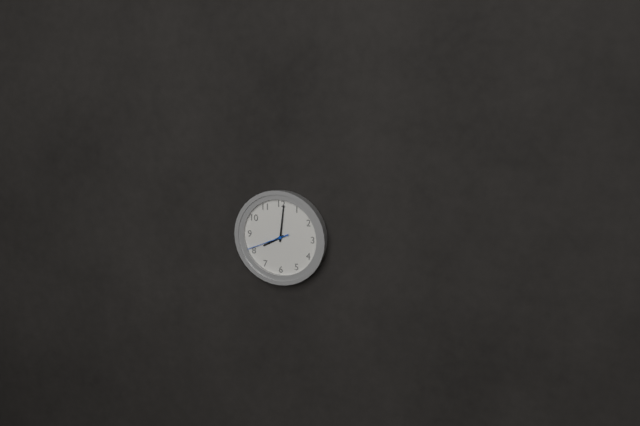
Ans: 8:01
